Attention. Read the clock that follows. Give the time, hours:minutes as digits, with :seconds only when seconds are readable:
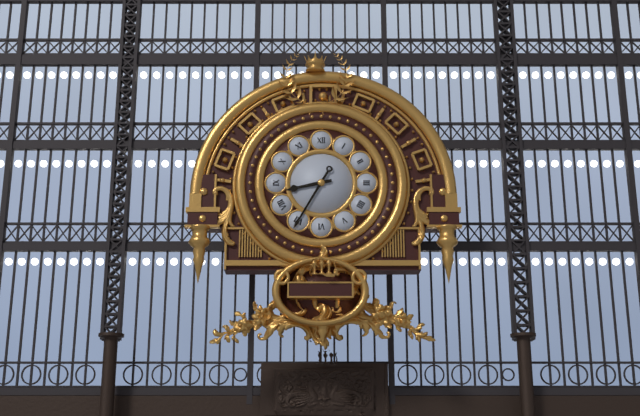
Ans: 8:35
